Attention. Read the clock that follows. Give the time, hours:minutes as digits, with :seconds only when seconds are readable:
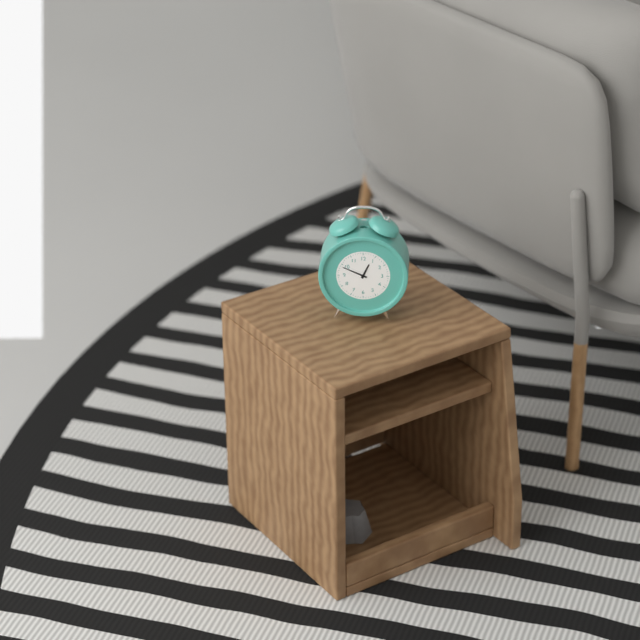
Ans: 12:49
